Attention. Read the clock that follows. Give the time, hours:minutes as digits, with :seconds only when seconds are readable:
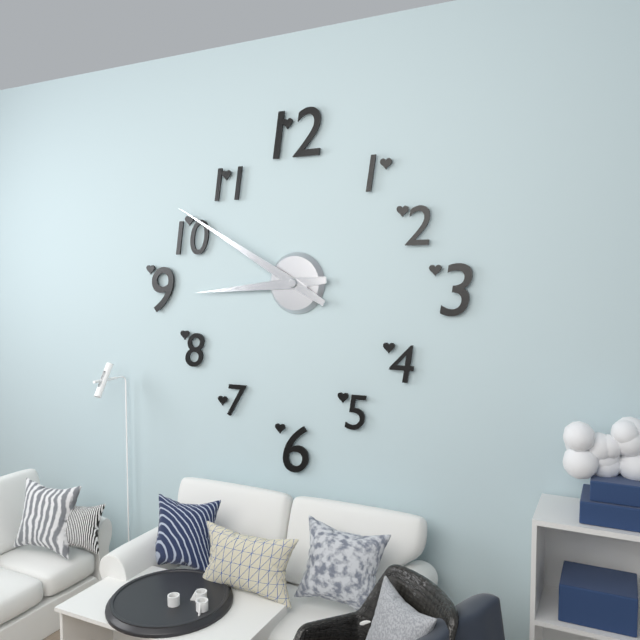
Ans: 8:50
